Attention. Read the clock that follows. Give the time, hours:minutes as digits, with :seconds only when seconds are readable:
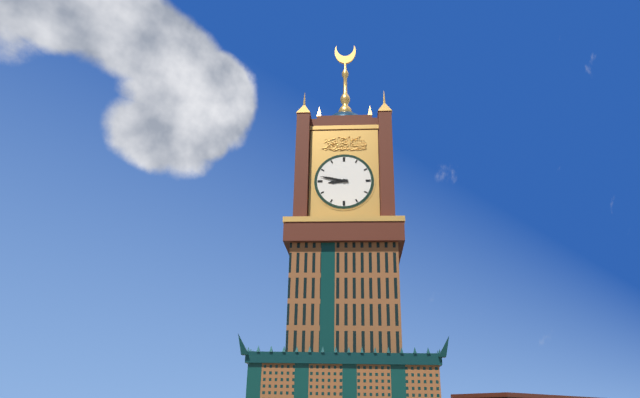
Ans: 8:47
